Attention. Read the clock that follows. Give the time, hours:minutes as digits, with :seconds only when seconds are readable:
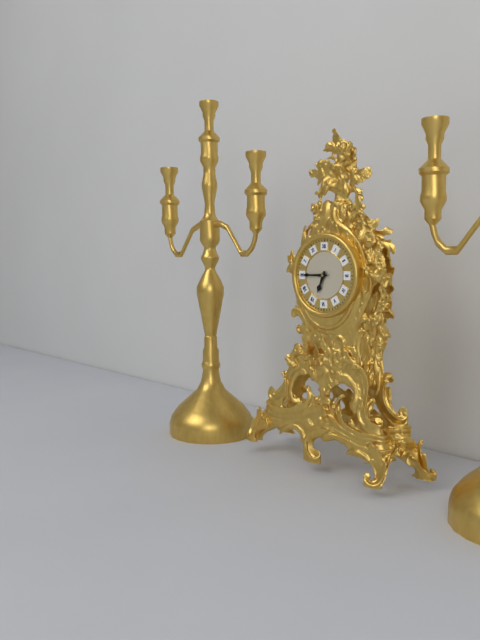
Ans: 6:45
